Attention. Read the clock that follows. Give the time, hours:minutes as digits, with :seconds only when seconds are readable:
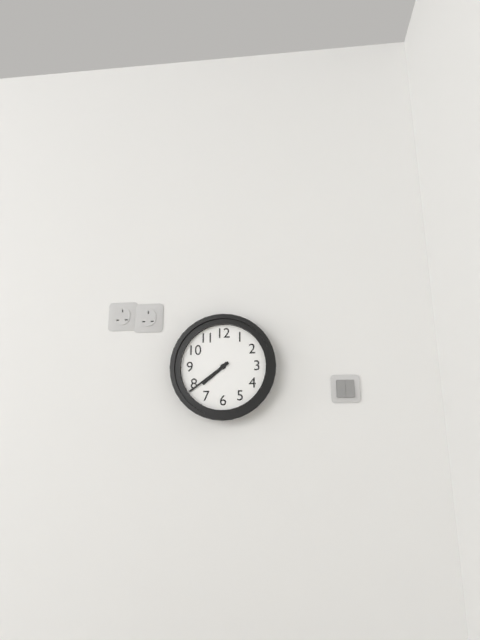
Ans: 7:39
